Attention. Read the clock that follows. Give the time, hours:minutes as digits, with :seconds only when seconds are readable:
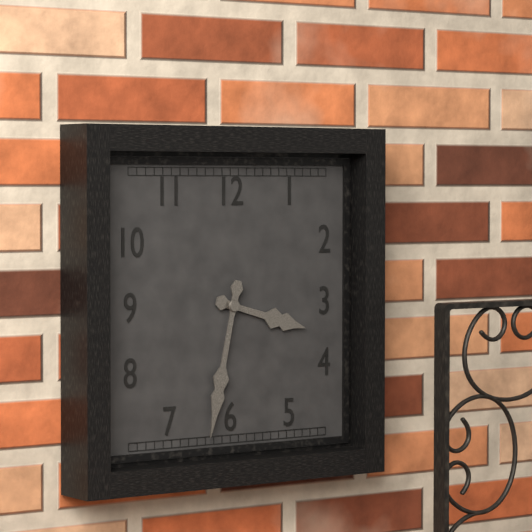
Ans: 3:32
